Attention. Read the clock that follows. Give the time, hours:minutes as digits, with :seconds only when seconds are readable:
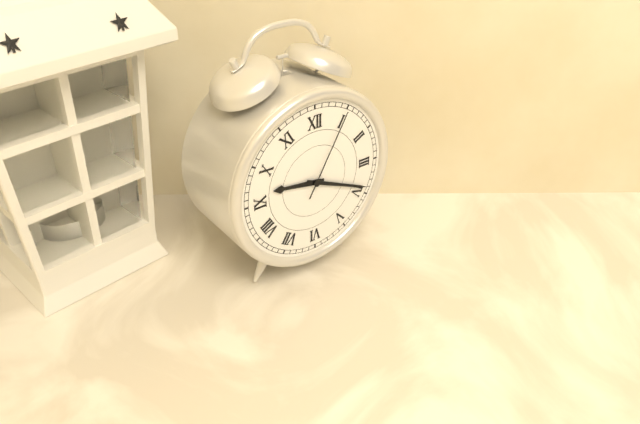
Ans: 9:19:05
